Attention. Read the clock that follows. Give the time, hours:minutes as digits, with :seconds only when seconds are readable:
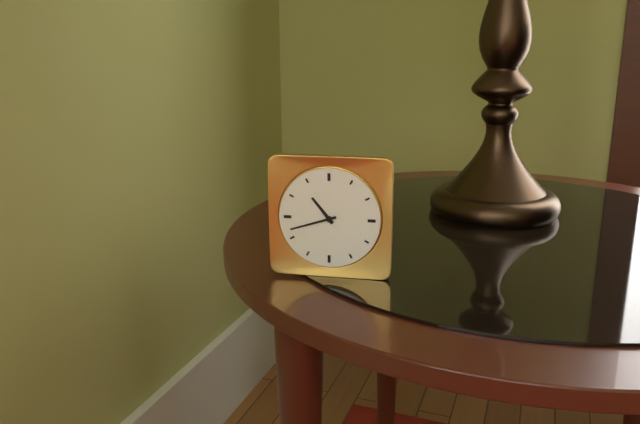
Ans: 10:42
